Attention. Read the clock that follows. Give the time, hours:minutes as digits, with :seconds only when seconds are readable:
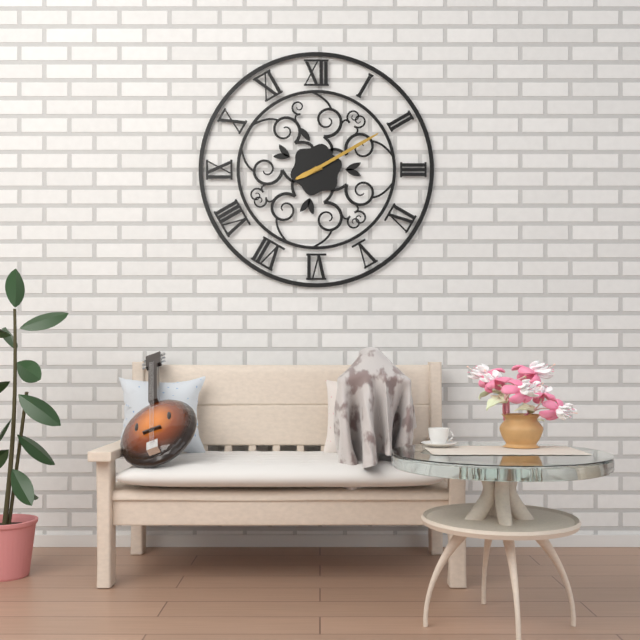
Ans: 8:10
